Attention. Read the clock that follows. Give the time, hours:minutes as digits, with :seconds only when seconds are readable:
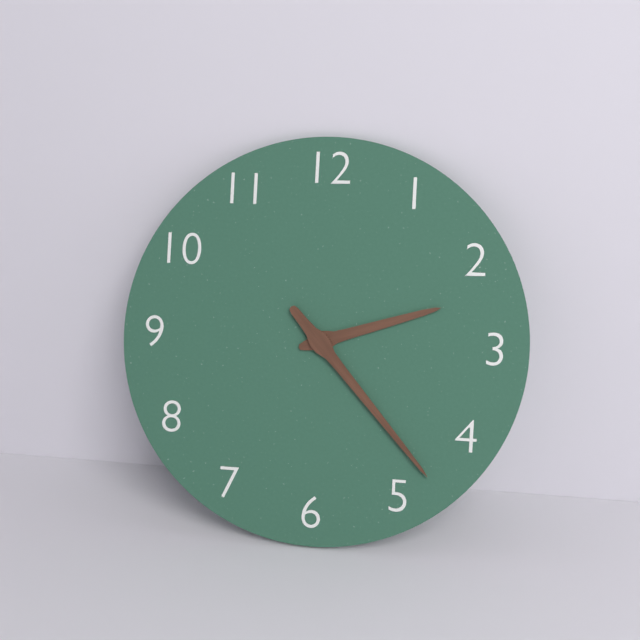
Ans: 2:23
